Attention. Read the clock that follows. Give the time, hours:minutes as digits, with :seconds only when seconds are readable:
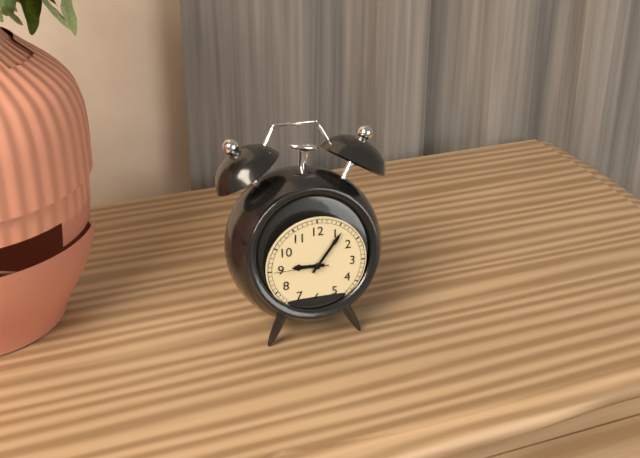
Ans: 9:06:45
